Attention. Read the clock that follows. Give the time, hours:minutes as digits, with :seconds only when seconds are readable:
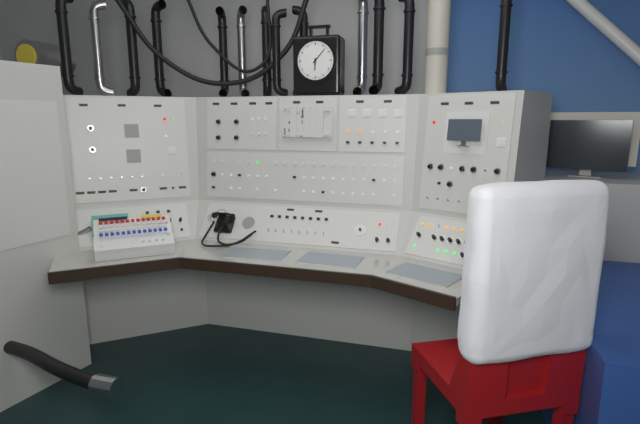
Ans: 6:07
